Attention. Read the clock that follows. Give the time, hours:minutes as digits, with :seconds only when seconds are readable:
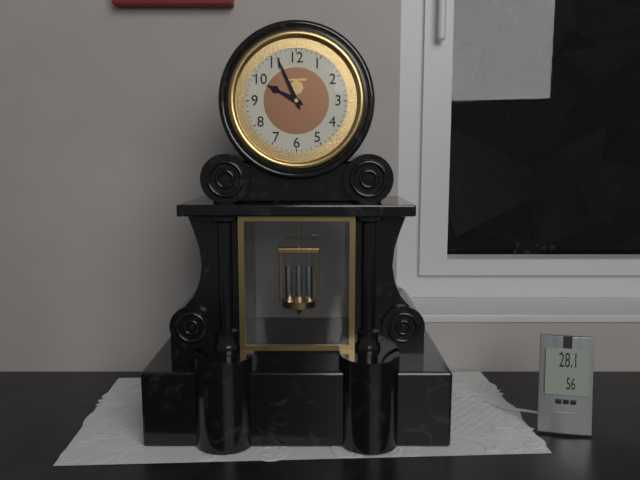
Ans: 9:56
